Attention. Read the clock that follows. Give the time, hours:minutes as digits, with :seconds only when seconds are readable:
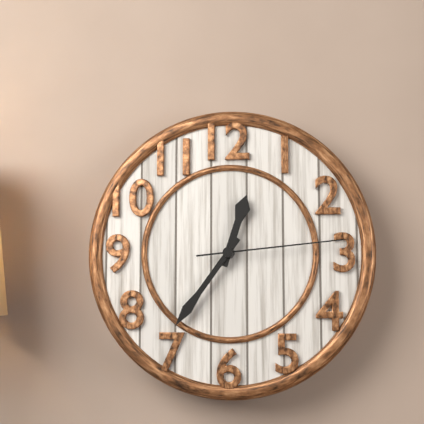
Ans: 12:36:14
